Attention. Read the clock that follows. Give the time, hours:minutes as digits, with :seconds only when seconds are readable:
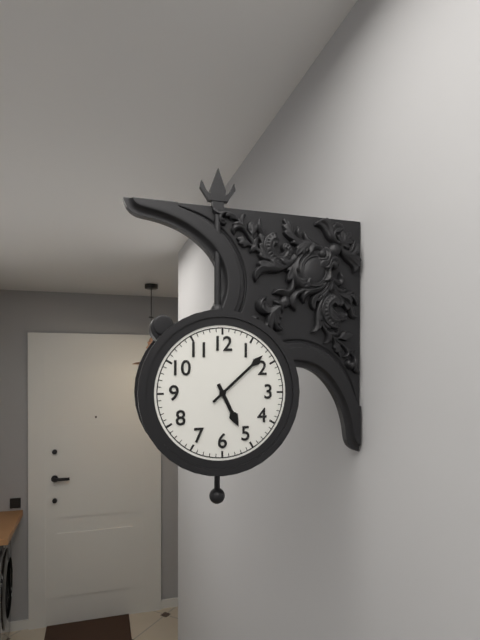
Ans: 5:08
